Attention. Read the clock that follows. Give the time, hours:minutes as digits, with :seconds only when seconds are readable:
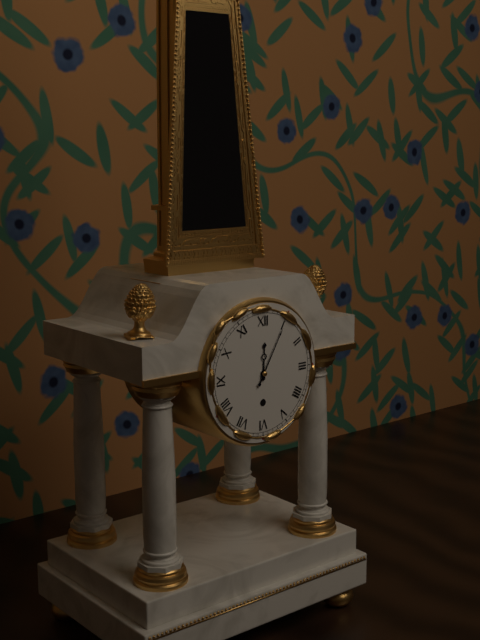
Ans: 12:05
